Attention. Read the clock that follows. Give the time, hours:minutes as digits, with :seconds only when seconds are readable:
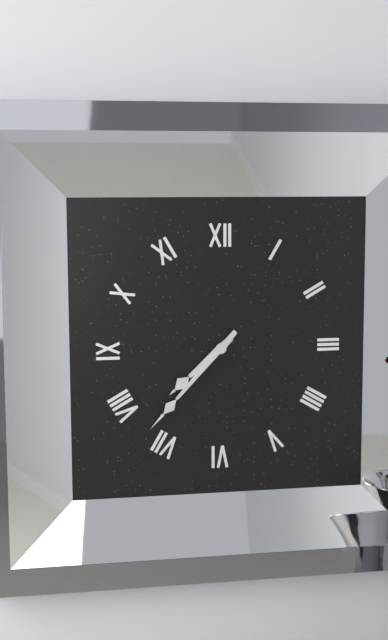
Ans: 7:37
